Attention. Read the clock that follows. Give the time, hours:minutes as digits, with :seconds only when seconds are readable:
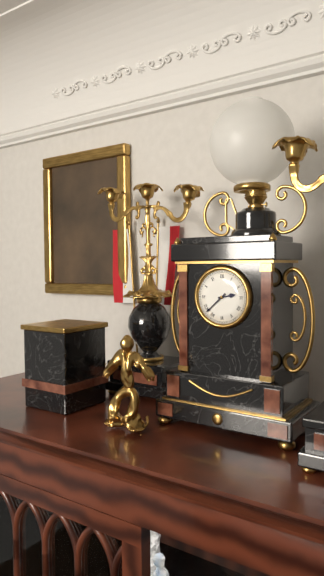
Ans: 2:38
